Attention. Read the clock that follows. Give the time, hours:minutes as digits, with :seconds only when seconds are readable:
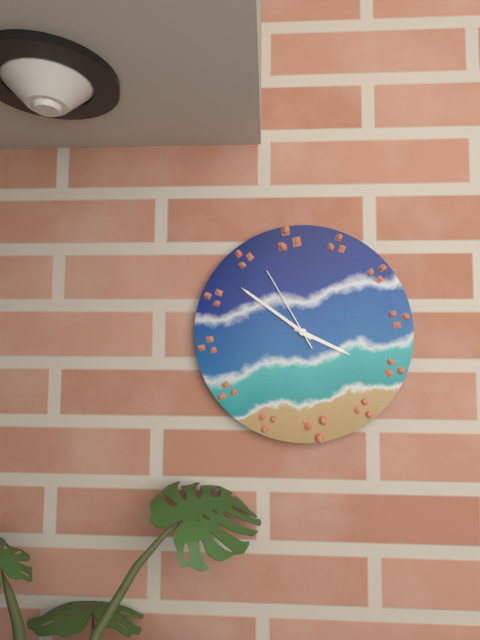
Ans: 3:51:55
